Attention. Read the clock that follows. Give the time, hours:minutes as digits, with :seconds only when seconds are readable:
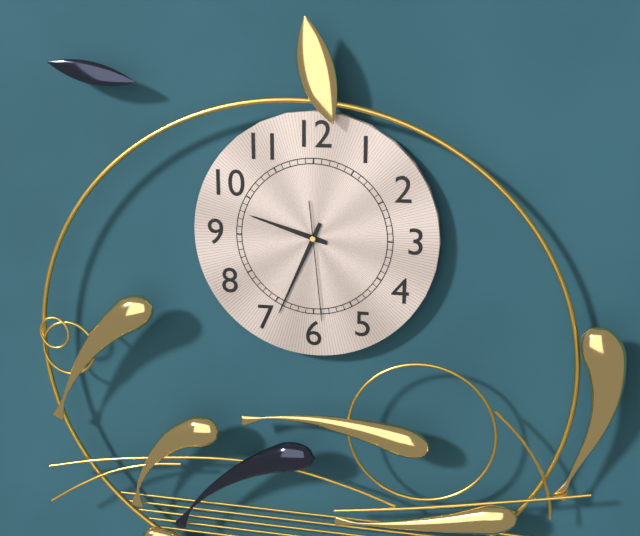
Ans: 9:34:29
